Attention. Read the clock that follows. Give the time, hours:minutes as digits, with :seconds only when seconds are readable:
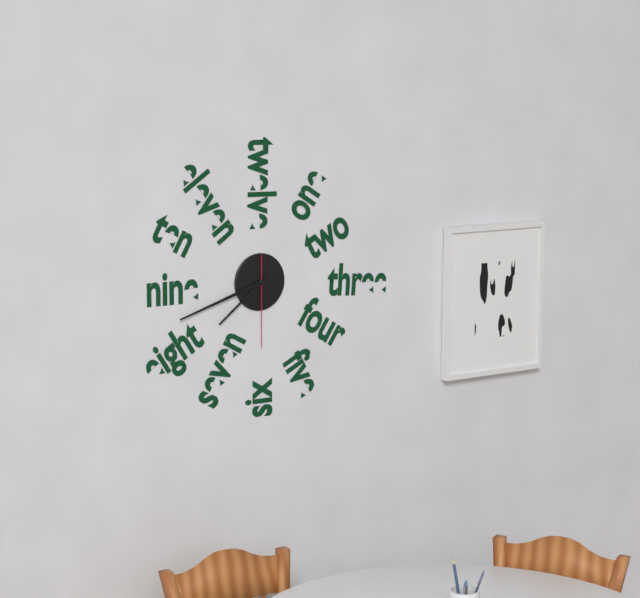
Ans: 7:42:30
